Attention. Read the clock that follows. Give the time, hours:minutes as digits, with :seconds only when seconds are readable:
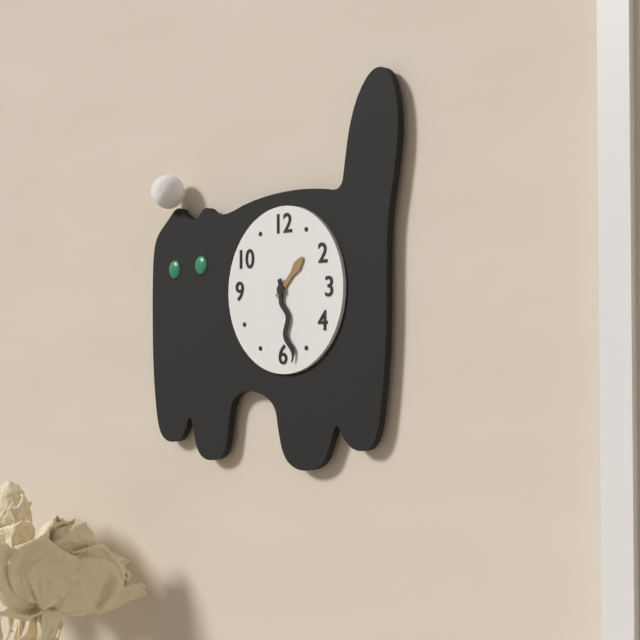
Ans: 1:28
